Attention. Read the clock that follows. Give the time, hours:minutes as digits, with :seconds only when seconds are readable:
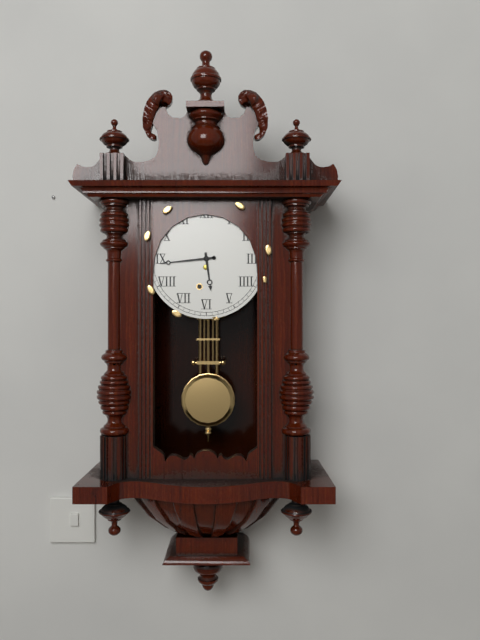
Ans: 5:44
